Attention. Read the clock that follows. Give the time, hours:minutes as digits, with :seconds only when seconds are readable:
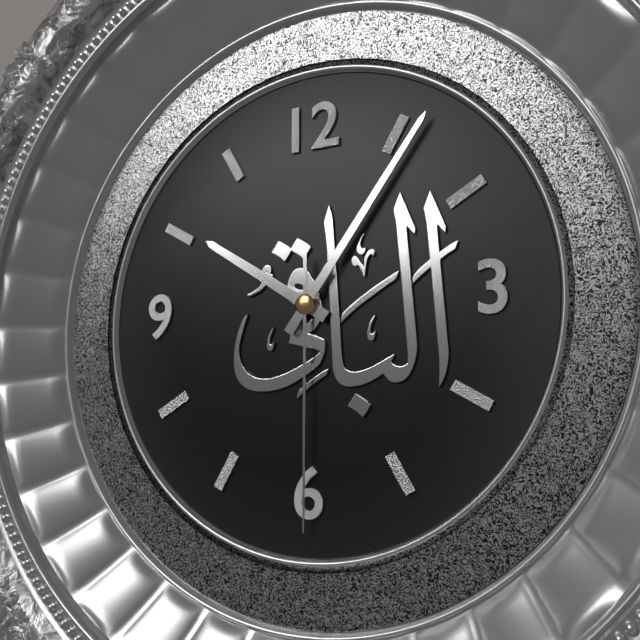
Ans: 10:06:30
